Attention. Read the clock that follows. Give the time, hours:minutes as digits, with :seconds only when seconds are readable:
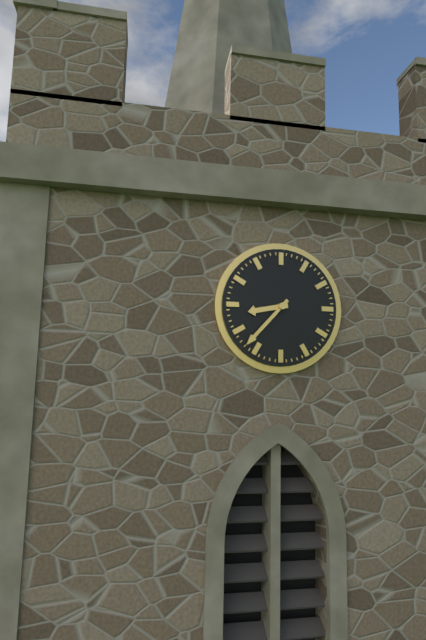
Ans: 8:37
